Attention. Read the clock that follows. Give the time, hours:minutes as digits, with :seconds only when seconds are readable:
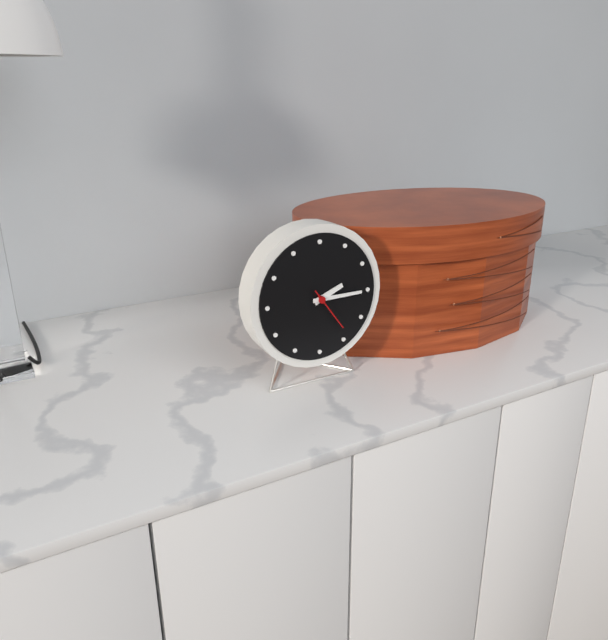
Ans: 2:15
